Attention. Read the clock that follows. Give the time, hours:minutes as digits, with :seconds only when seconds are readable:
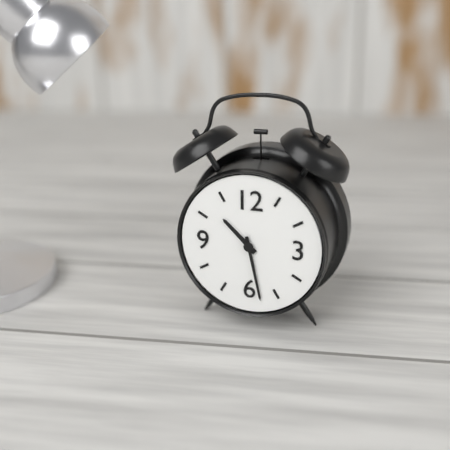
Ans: 10:28
